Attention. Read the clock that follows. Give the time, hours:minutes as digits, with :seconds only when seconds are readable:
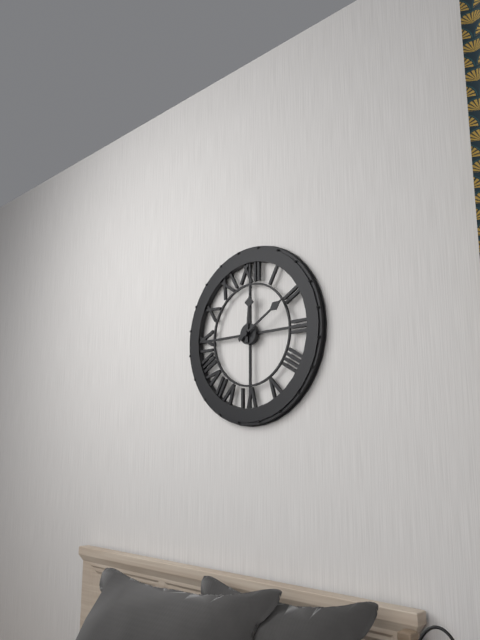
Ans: 12:10
